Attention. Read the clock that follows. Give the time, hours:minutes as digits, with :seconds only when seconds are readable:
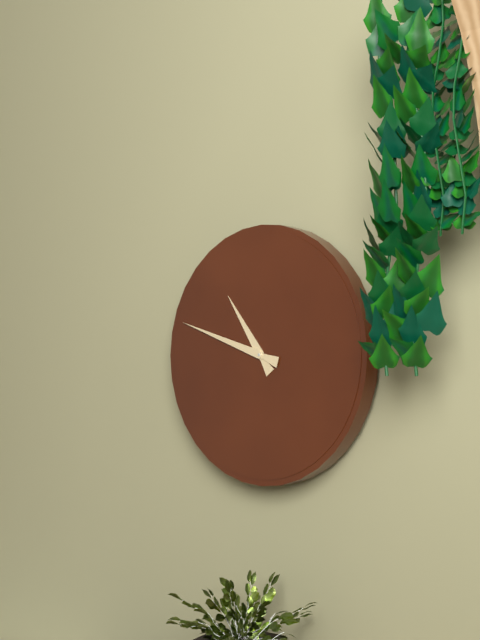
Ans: 10:48
